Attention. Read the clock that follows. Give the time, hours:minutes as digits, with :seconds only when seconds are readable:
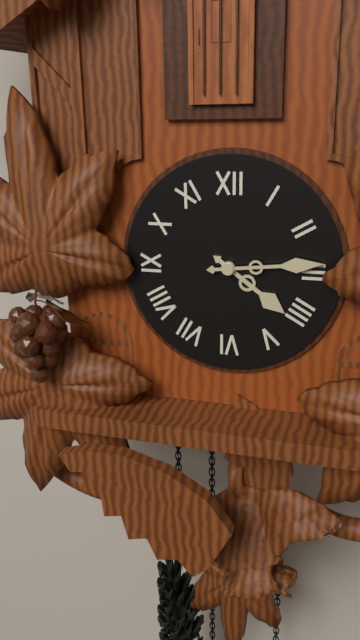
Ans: 4:14
